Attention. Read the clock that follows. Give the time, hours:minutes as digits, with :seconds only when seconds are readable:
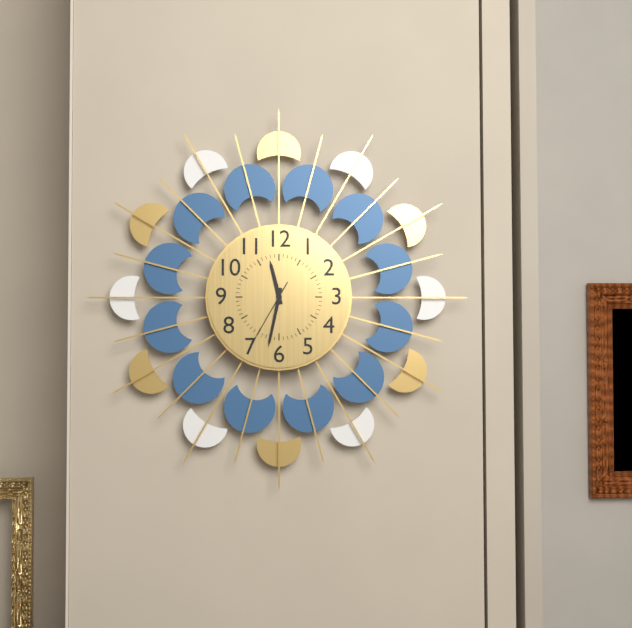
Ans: 11:32:35
